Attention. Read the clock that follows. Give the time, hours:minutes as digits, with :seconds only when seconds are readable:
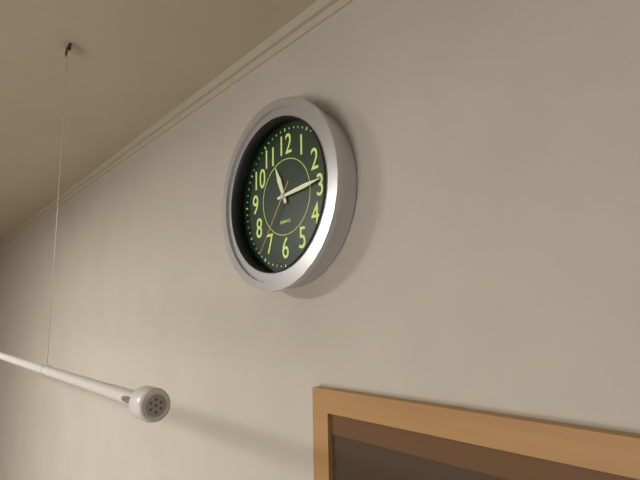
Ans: 11:14:36
